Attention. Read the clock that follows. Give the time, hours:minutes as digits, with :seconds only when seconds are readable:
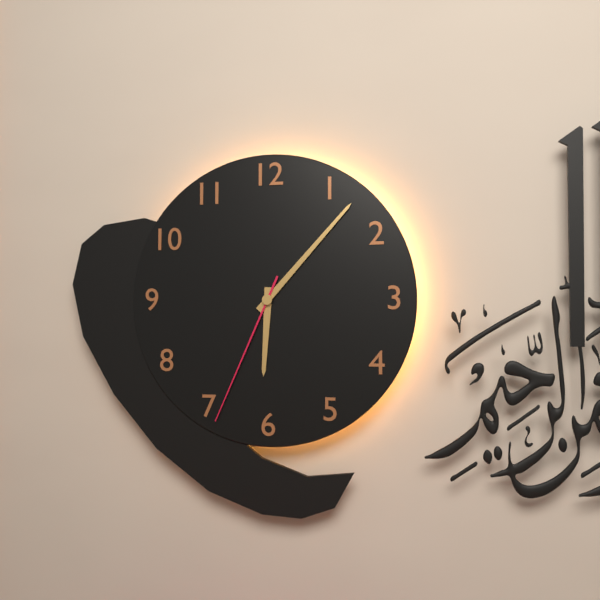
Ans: 6:07:34
